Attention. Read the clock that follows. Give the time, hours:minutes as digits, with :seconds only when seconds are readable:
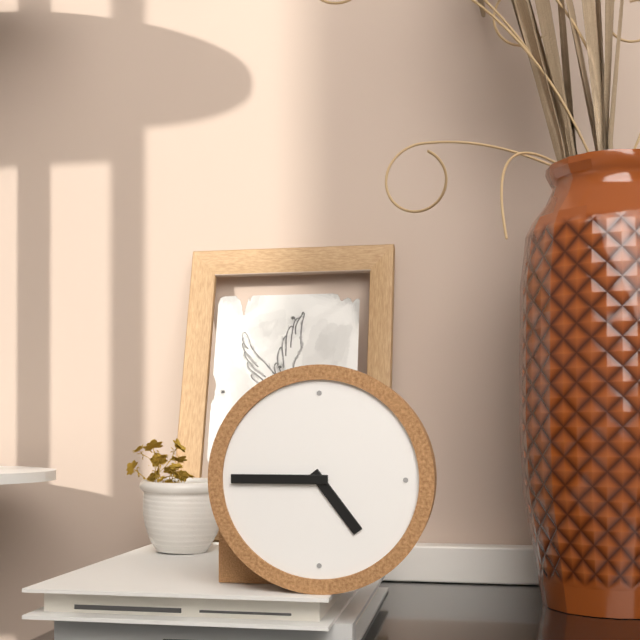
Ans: 4:45
